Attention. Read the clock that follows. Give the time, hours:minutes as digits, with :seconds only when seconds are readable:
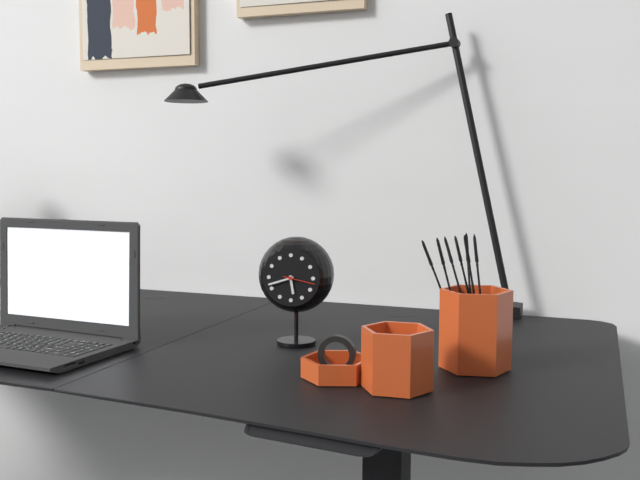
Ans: 5:42
